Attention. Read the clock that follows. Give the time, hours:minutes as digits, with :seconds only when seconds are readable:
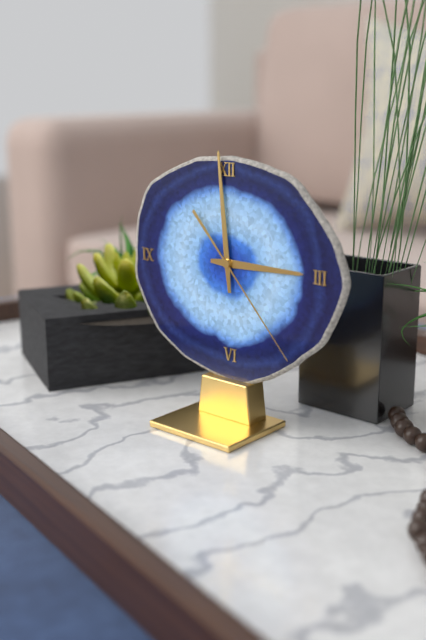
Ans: 2:59:23
